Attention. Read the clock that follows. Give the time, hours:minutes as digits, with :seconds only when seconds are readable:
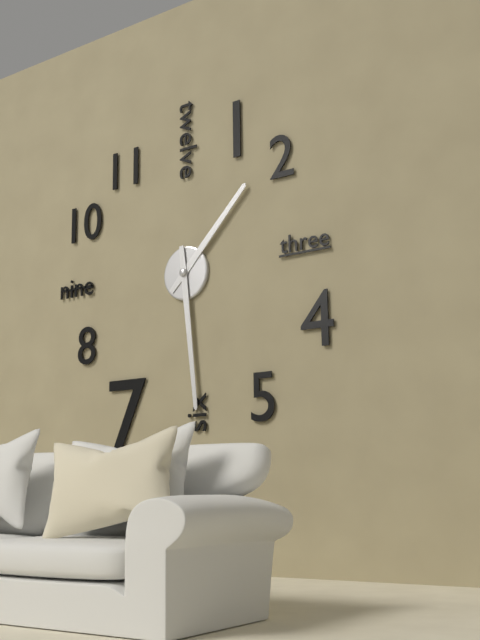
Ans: 1:29
